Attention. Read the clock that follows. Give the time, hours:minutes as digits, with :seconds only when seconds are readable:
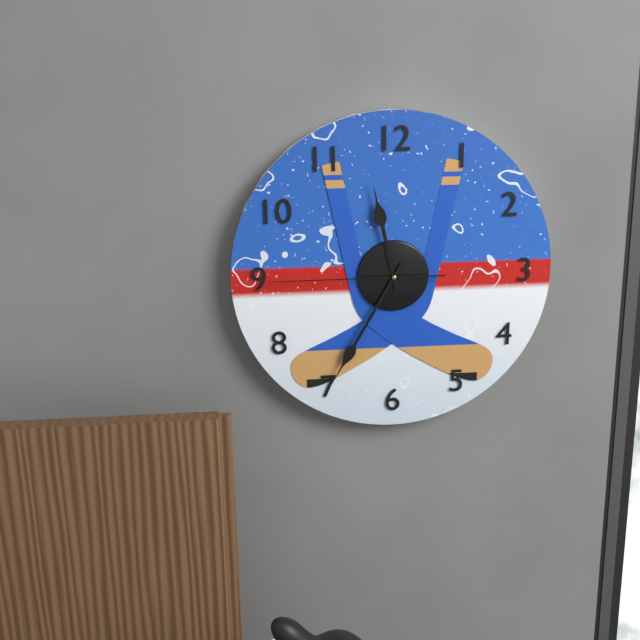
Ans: 11:35:45
